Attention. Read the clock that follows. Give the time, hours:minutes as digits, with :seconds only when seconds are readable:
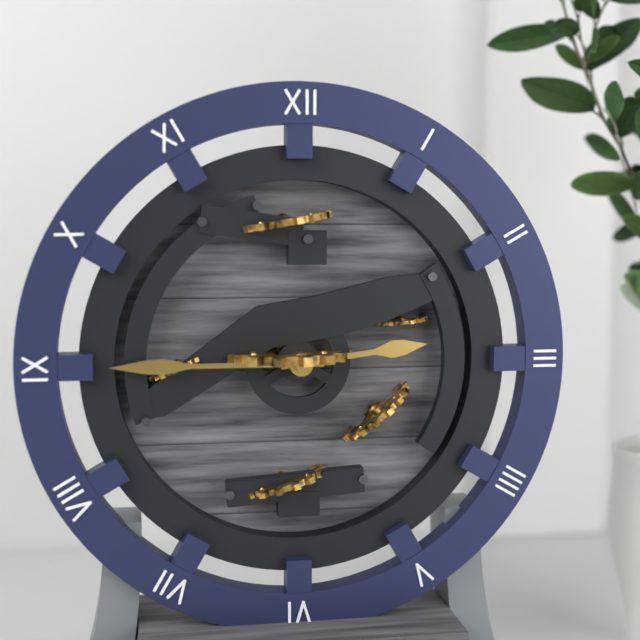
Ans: 2:45
